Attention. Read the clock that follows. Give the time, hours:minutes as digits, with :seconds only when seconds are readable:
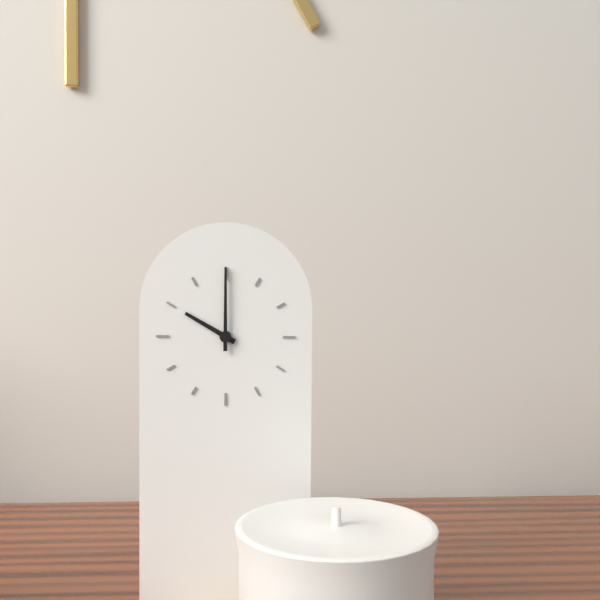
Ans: 10:00
